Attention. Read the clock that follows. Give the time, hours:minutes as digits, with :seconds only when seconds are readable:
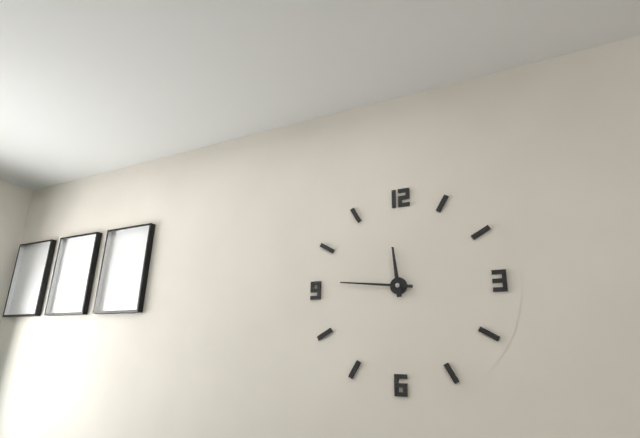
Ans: 11:46
